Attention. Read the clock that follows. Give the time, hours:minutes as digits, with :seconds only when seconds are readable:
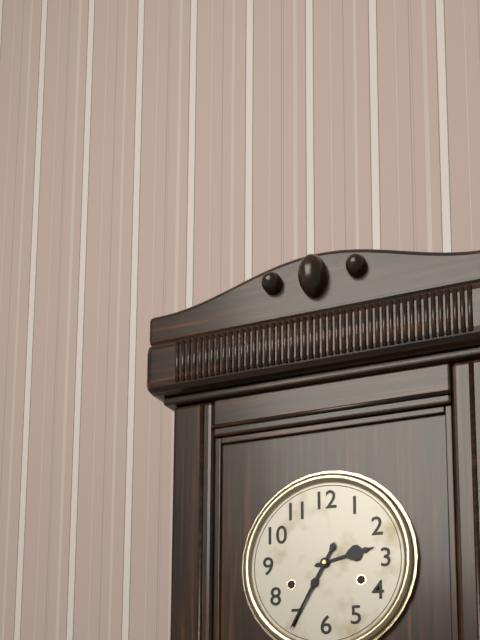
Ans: 2:35
